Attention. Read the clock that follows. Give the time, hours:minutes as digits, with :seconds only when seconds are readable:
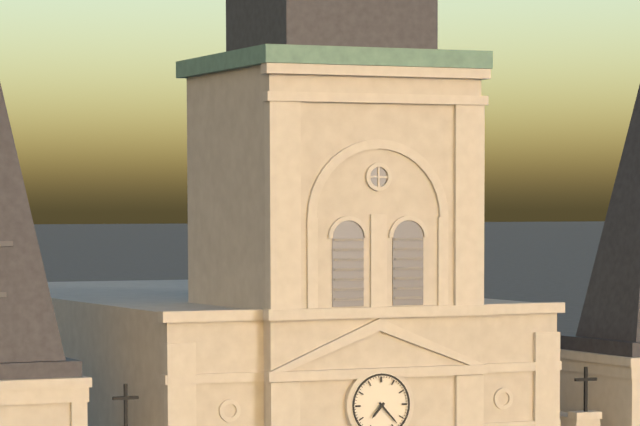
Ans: 7:23
